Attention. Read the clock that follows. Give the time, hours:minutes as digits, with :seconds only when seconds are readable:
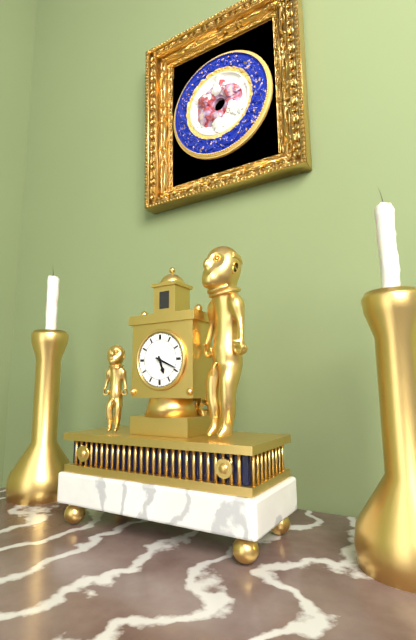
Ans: 5:19
